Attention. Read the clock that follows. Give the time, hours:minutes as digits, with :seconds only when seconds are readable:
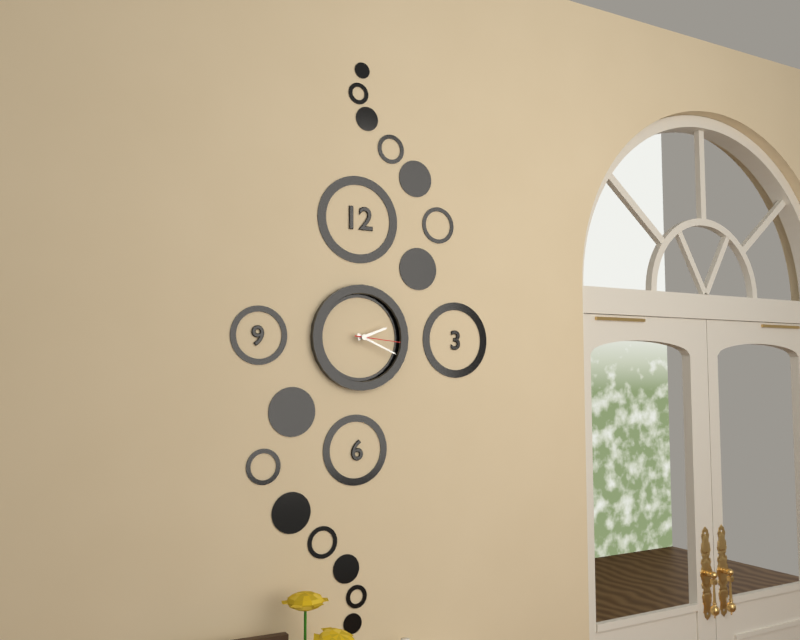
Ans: 2:19
